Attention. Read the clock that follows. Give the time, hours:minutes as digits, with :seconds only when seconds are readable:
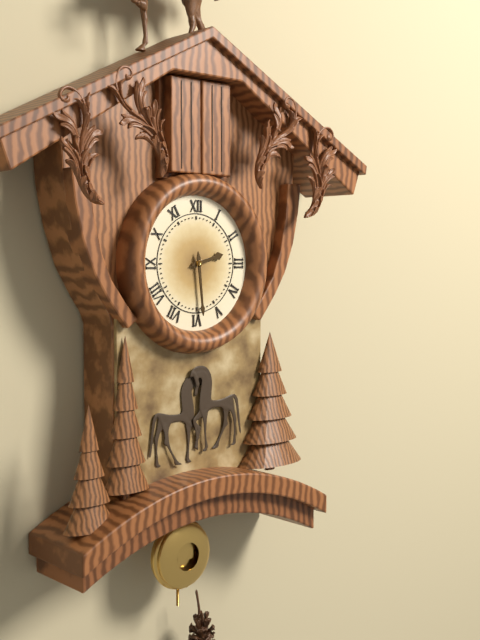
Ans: 2:29
